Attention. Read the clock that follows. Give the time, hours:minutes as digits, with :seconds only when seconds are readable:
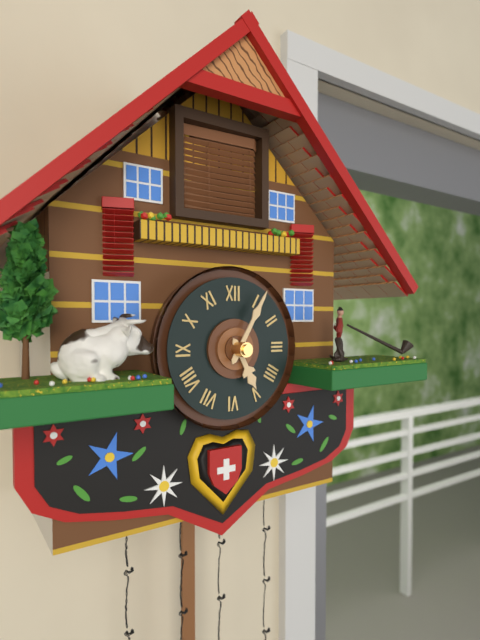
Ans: 5:05
